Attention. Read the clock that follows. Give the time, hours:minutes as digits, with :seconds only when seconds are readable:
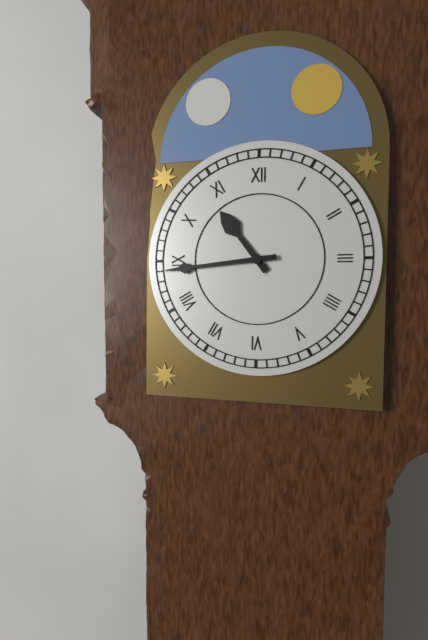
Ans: 10:44
